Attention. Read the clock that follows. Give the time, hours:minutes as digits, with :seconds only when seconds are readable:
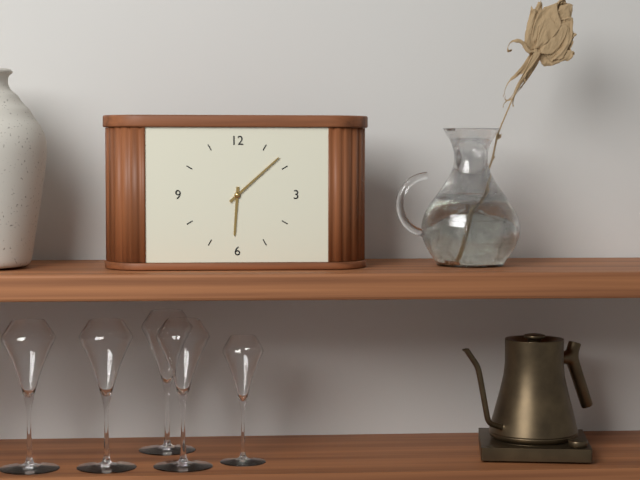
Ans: 6:08
